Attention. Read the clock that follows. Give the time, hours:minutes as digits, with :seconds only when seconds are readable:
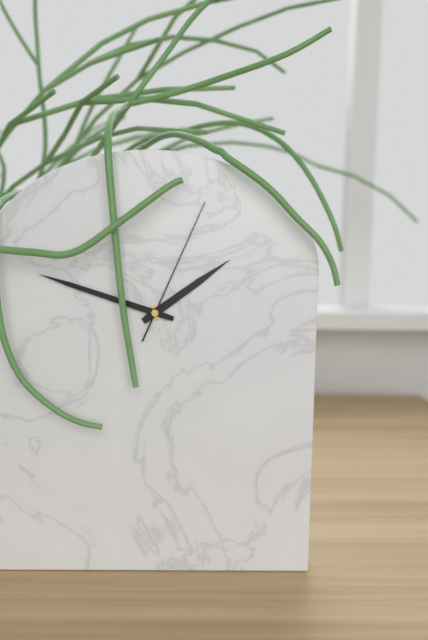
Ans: 1:48:04
